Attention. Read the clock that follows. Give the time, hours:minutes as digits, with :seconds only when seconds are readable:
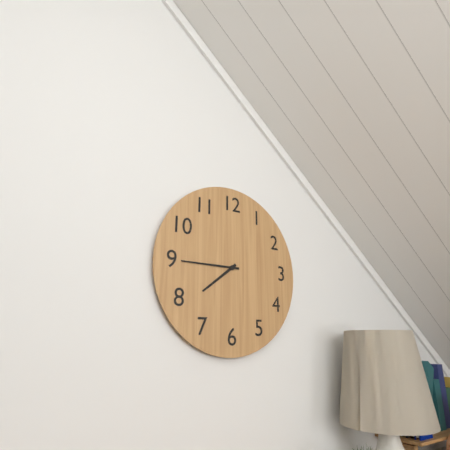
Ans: 7:45
